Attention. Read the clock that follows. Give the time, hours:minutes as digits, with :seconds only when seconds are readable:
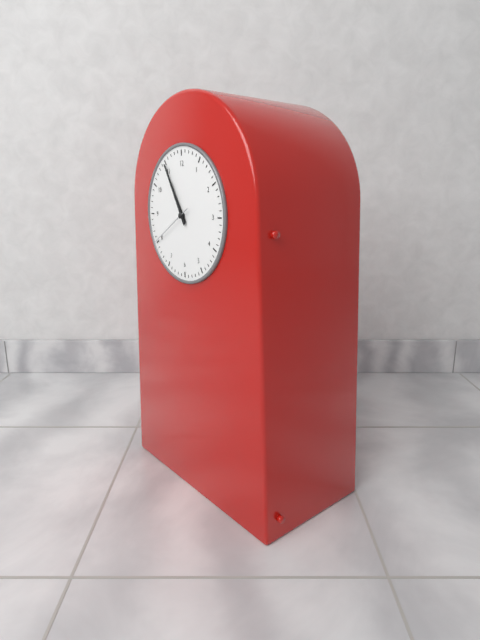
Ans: 10:55:40
